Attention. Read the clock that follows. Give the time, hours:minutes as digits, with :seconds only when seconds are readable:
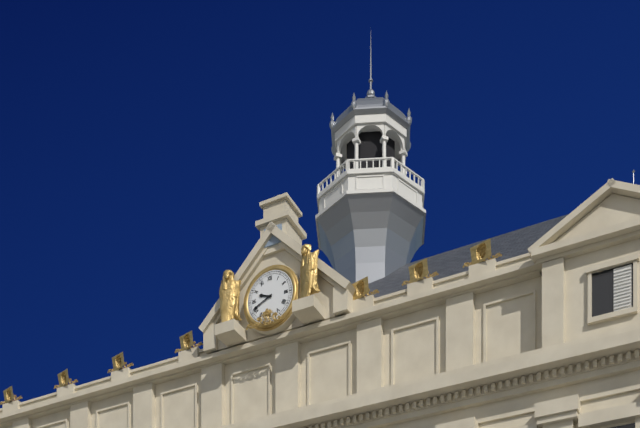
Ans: 9:41
